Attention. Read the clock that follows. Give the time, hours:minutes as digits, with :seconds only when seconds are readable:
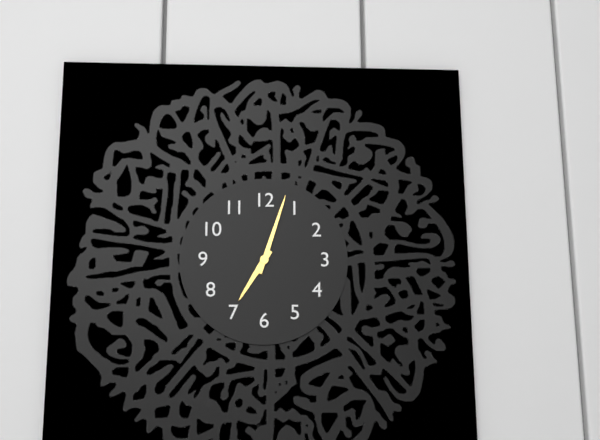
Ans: 7:03
